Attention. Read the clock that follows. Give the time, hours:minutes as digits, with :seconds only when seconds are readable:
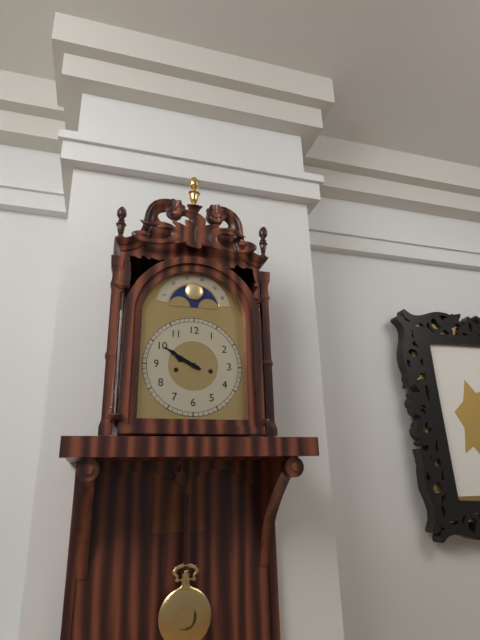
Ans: 9:50
